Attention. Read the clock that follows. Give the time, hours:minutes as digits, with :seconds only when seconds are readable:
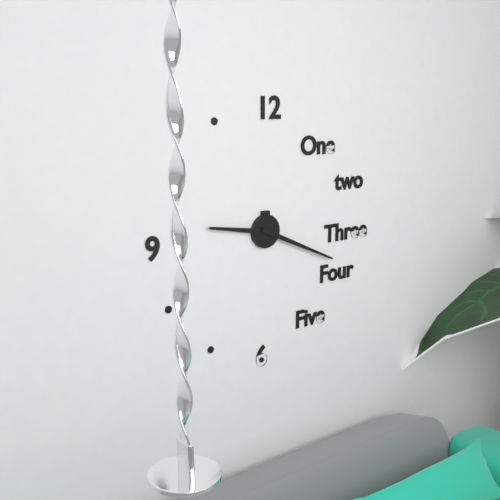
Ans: 9:19
